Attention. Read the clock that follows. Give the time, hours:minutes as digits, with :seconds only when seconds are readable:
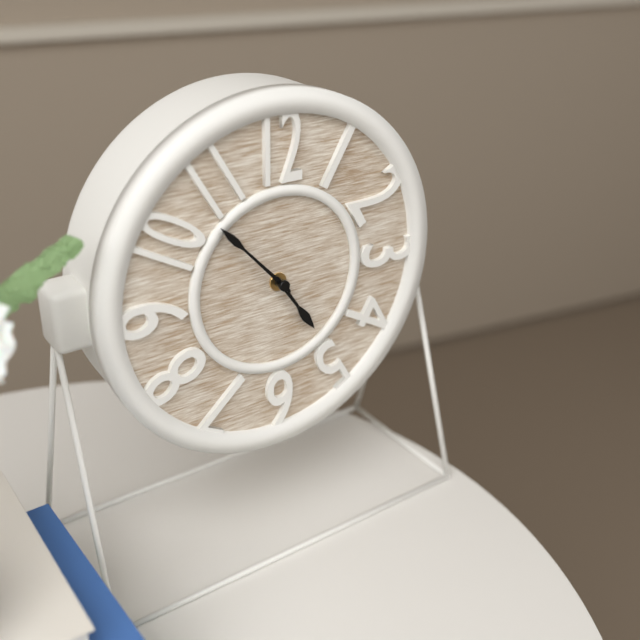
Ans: 4:53
